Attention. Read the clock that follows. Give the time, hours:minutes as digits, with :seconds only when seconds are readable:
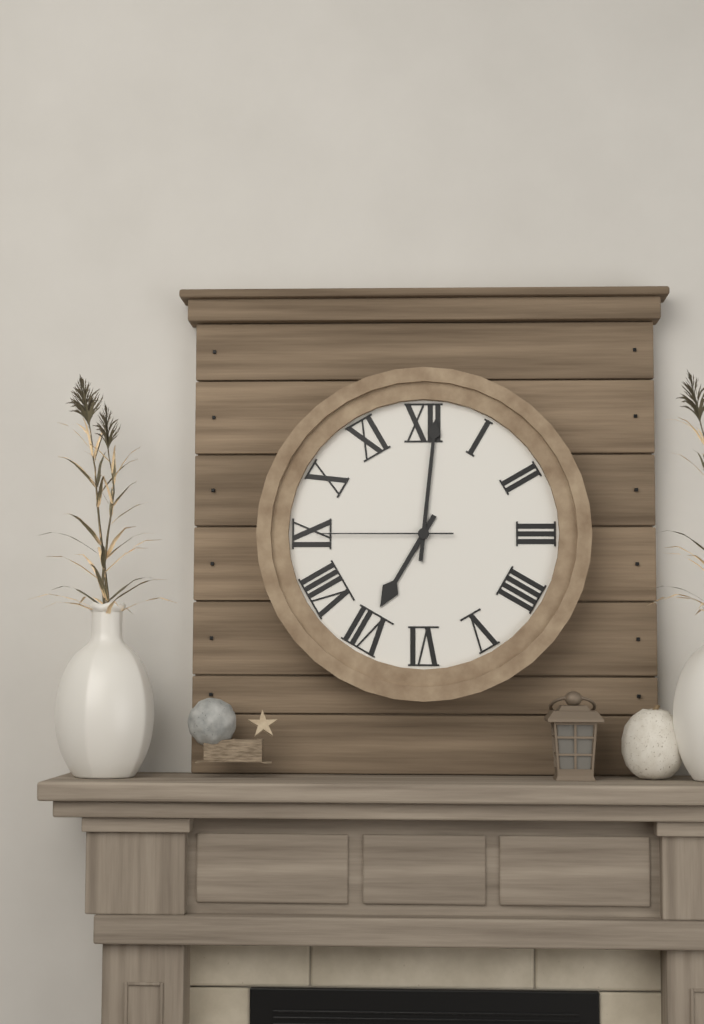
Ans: 7:01:45
